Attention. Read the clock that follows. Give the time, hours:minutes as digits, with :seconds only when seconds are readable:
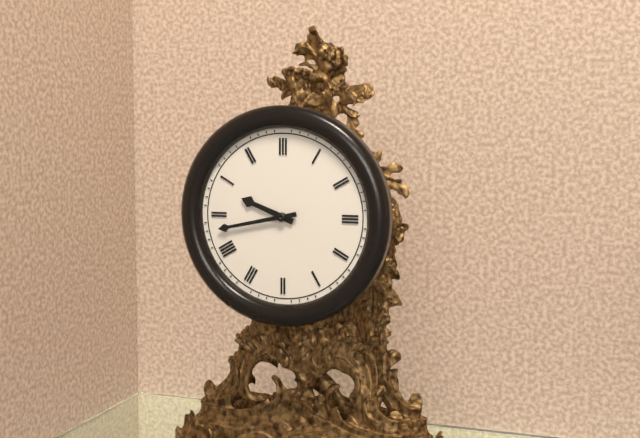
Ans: 9:43
